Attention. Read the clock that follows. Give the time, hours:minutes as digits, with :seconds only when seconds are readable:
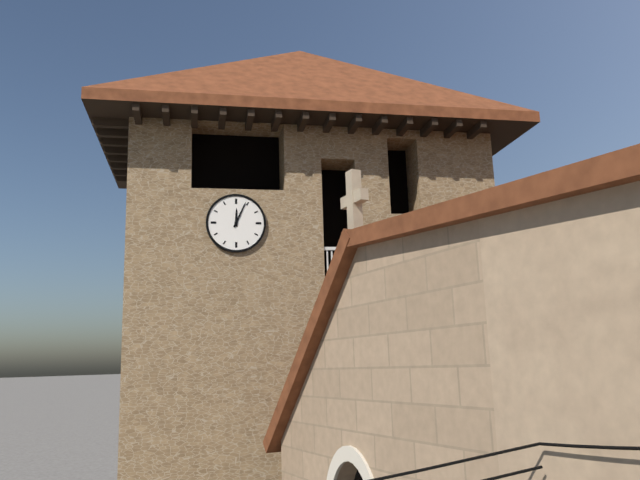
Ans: 12:04
